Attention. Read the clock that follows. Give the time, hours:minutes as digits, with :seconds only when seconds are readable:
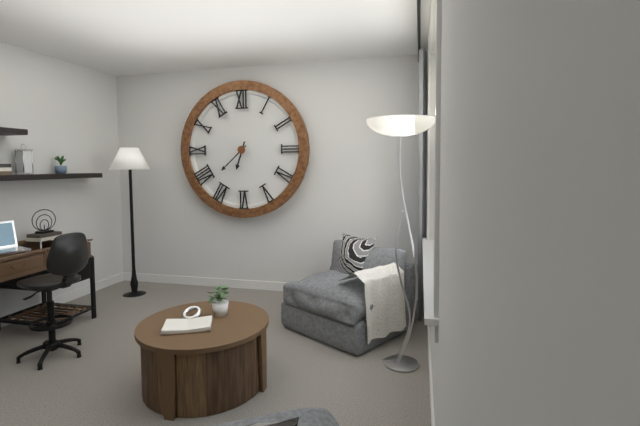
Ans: 6:38
